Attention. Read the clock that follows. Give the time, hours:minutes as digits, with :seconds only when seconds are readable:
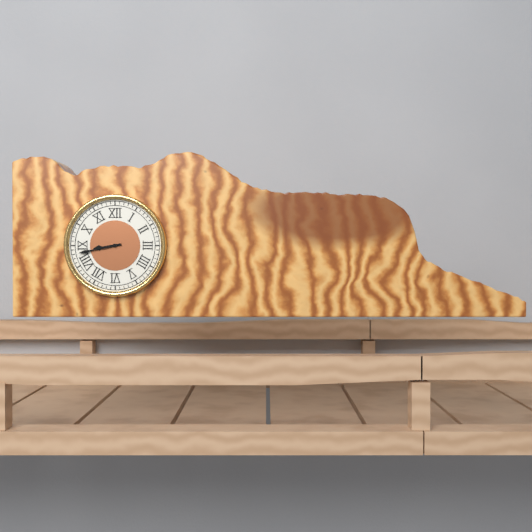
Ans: 8:43
